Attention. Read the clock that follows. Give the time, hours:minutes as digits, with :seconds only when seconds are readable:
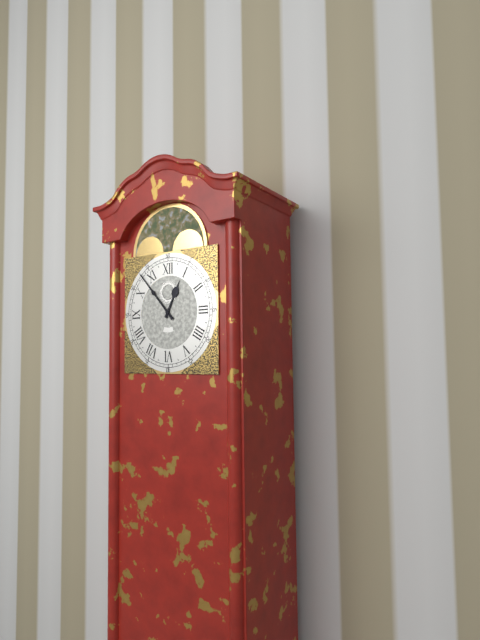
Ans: 12:53
